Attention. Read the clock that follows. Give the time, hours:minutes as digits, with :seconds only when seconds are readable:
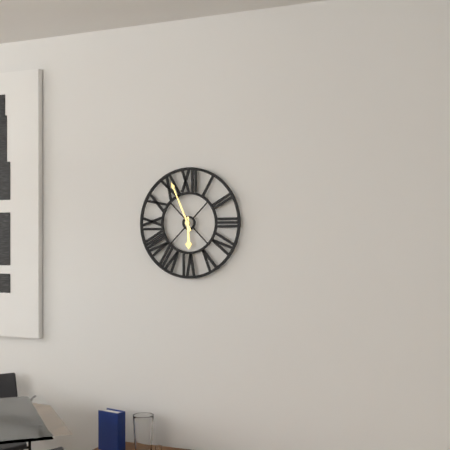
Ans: 5:56
